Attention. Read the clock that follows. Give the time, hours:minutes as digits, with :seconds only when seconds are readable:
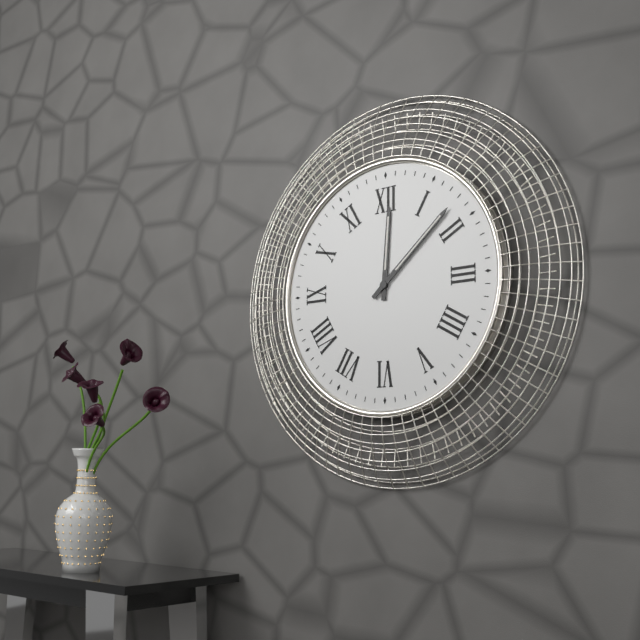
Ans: 12:08
